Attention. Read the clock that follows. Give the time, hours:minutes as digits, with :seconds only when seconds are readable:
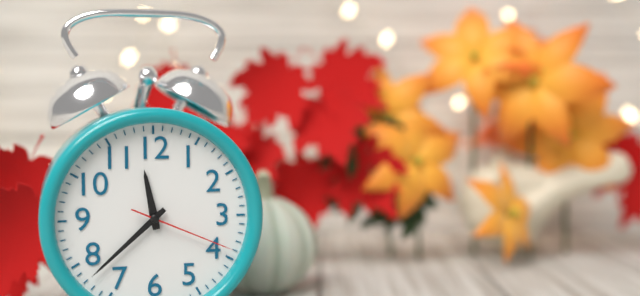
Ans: 11:38:19
